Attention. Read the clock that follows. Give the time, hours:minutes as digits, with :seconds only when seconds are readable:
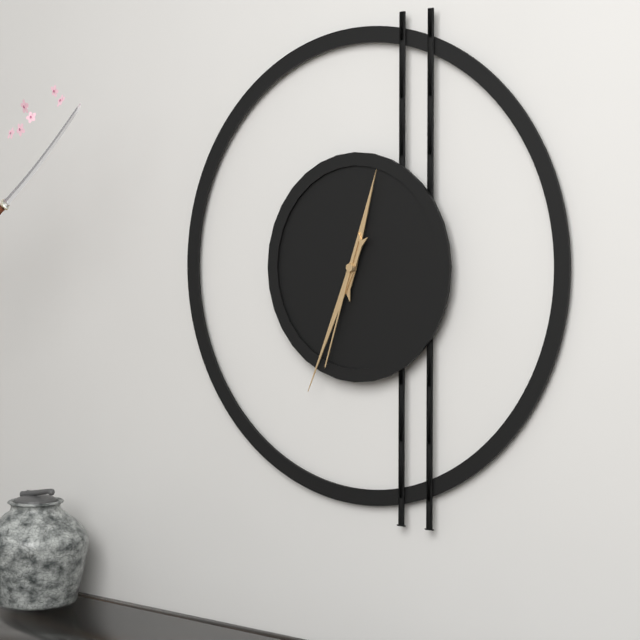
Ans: 12:34:33
